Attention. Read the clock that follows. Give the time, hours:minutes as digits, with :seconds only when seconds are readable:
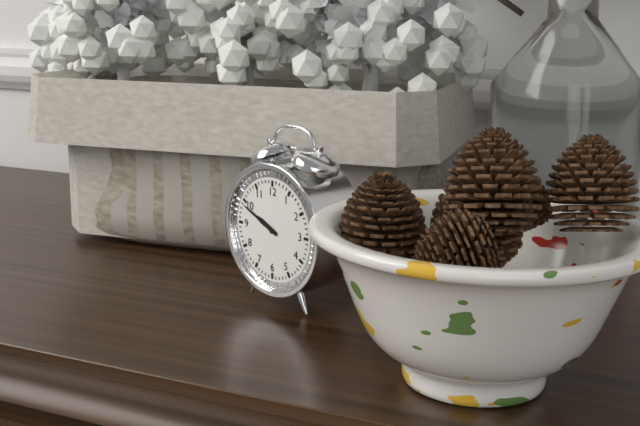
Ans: 9:49
